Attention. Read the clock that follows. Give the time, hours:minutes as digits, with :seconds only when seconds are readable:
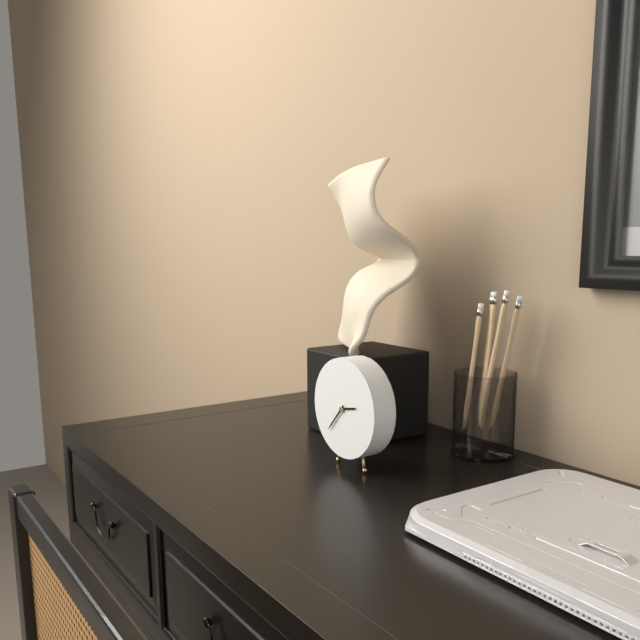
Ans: 2:37
